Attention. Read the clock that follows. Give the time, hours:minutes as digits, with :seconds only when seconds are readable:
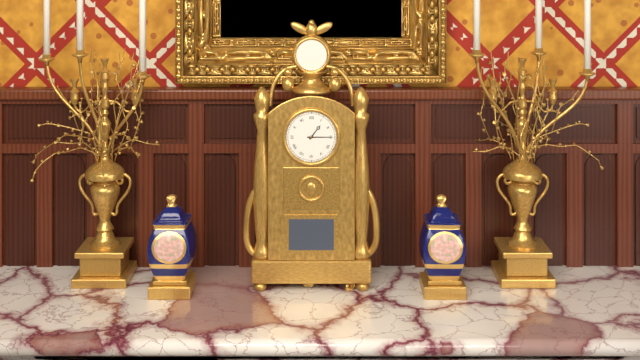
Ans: 1:15
